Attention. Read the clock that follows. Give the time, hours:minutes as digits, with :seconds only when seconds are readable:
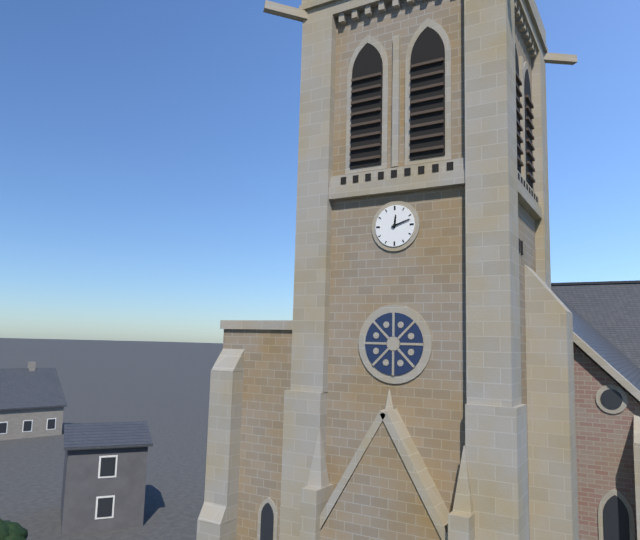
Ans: 12:12
